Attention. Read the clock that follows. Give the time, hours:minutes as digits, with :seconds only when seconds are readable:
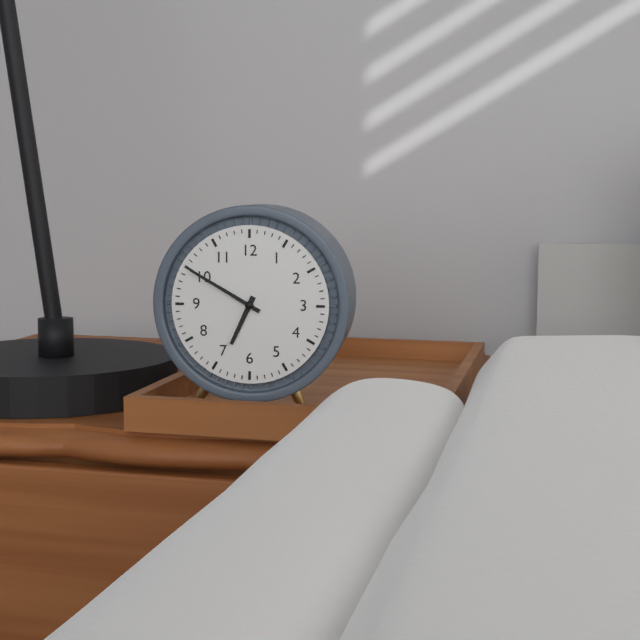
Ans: 6:50
